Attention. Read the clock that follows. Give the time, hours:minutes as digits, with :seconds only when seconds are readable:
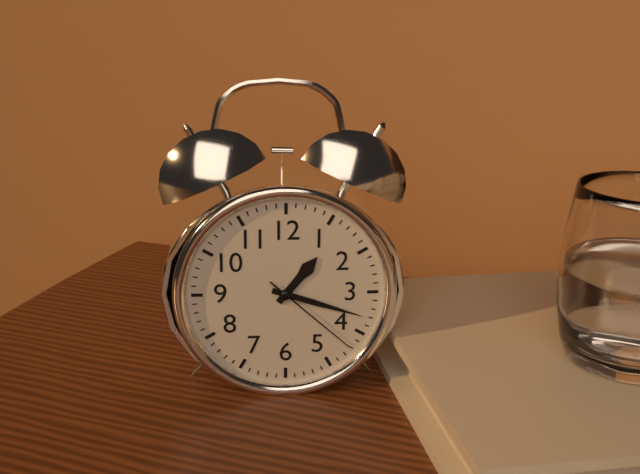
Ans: 1:18:22
